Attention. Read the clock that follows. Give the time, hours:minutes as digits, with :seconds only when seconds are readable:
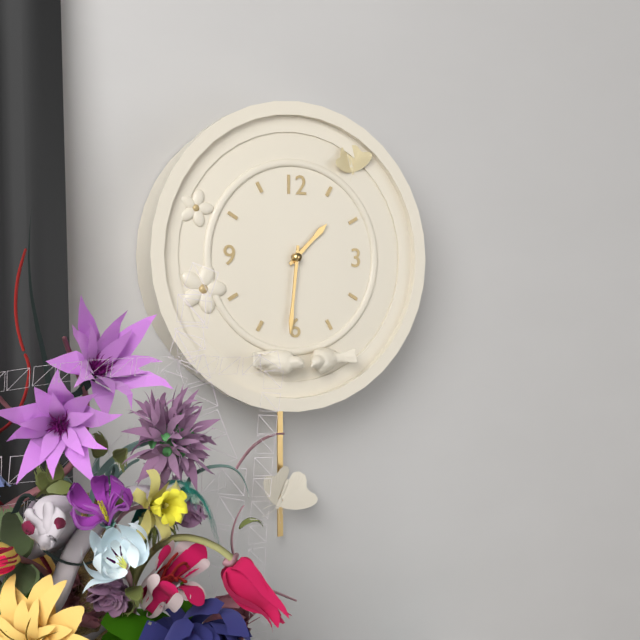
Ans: 1:31
